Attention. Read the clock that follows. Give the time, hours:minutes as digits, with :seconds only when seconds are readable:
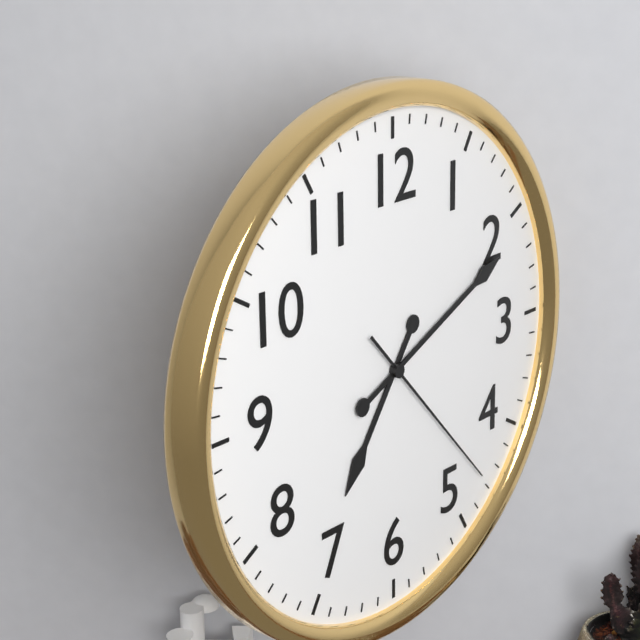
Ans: 7:11:23
